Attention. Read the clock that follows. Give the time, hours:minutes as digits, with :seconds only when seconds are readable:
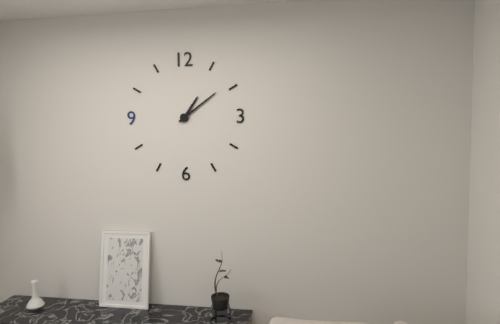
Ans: 1:09
